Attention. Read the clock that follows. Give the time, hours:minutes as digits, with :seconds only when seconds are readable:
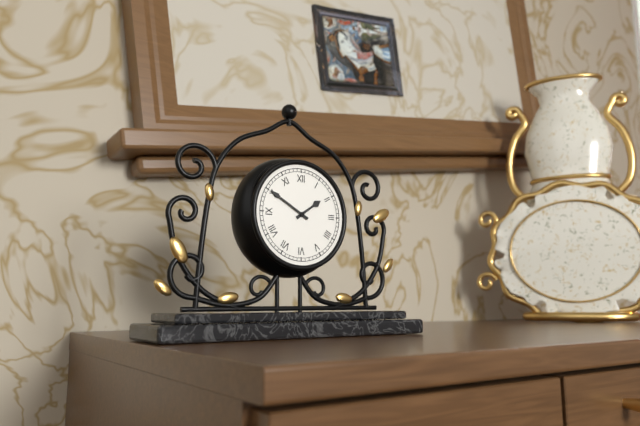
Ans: 1:50
